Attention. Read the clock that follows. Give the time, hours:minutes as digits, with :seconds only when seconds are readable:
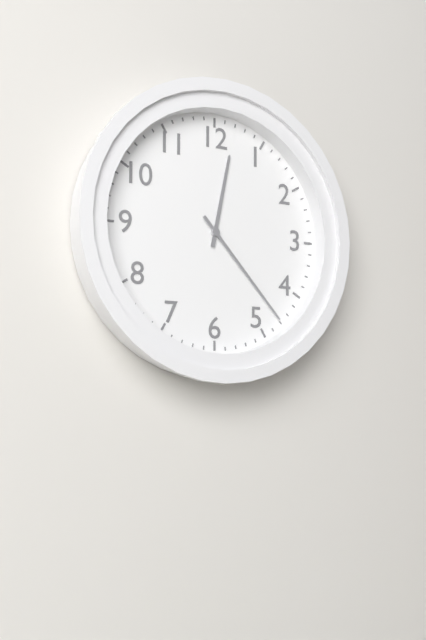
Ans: 12:23
